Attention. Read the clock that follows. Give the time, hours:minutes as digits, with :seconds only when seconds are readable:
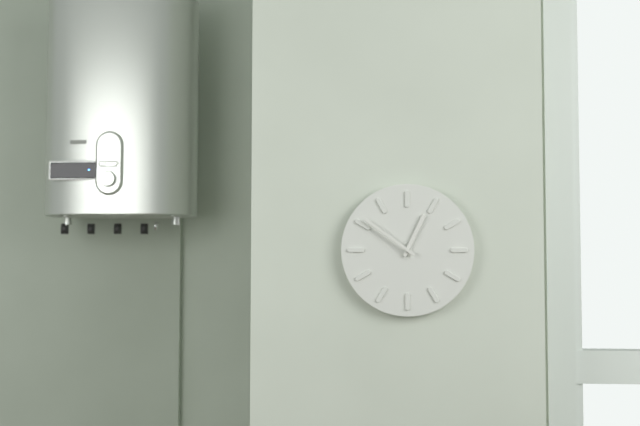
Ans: 12:51
